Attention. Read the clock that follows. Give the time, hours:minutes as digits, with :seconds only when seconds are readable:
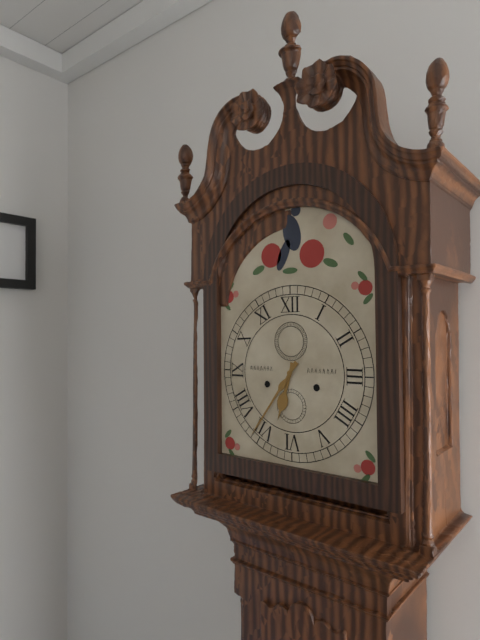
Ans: 6:36
